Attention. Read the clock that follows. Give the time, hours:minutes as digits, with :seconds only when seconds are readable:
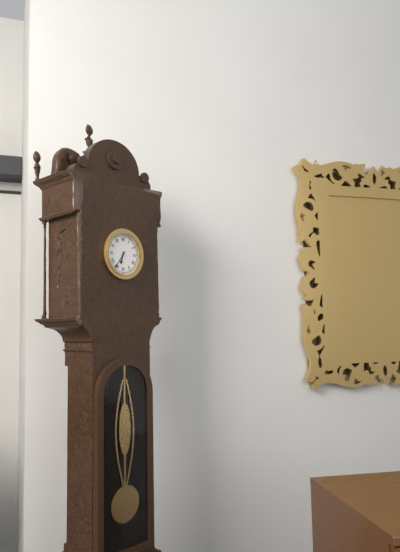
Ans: 6:36
